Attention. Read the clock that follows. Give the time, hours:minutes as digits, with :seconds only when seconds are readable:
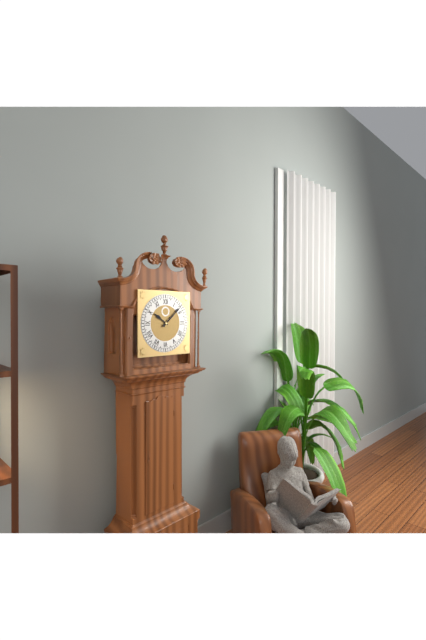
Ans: 10:08
